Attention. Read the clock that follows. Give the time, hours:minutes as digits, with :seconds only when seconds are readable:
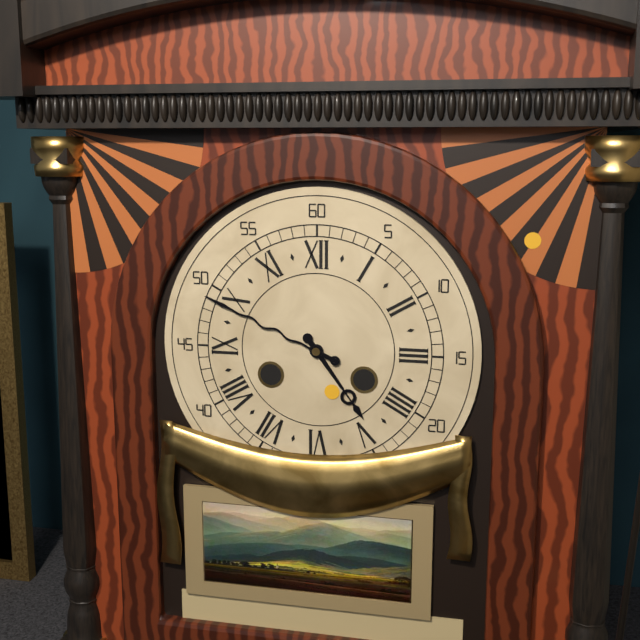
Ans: 4:49
